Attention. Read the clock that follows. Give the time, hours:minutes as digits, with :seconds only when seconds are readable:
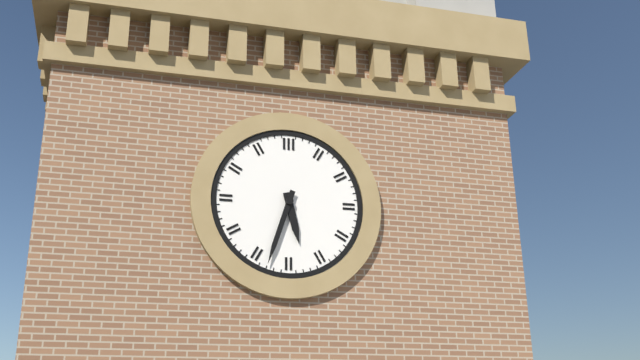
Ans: 5:33
